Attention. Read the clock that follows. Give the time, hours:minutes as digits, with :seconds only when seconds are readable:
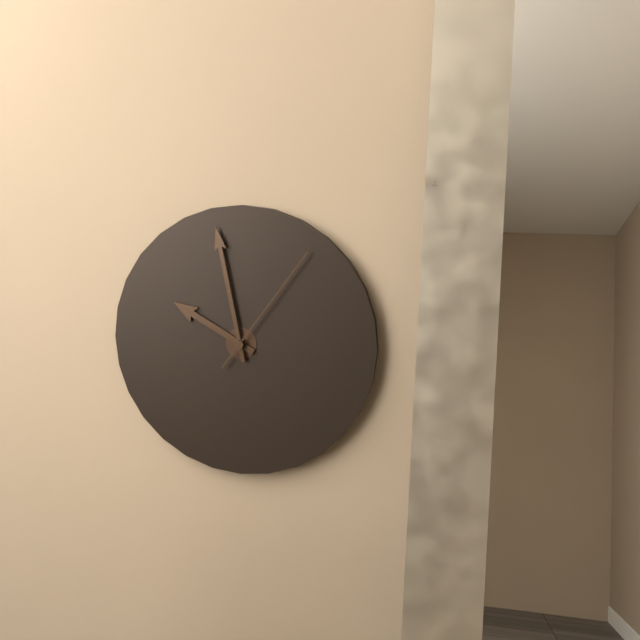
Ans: 9:58:06
